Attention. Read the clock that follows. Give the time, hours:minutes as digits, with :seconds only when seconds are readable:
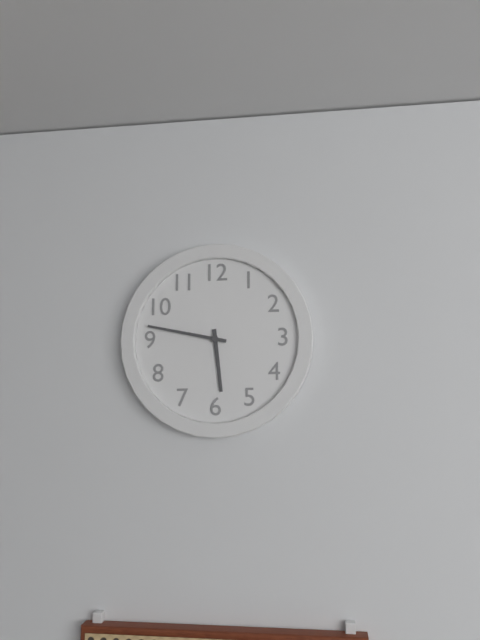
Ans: 5:47
